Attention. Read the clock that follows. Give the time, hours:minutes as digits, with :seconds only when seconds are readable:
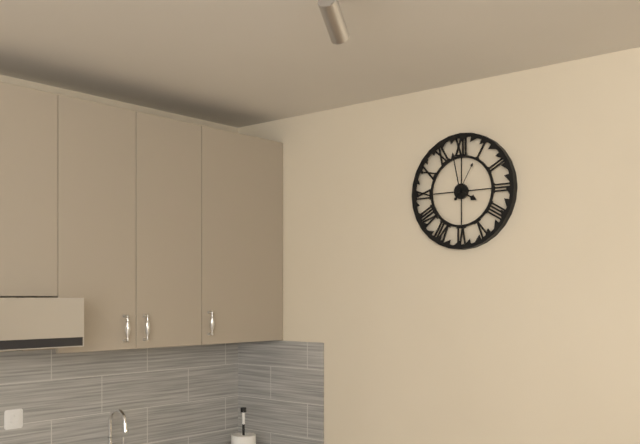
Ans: 3:58
